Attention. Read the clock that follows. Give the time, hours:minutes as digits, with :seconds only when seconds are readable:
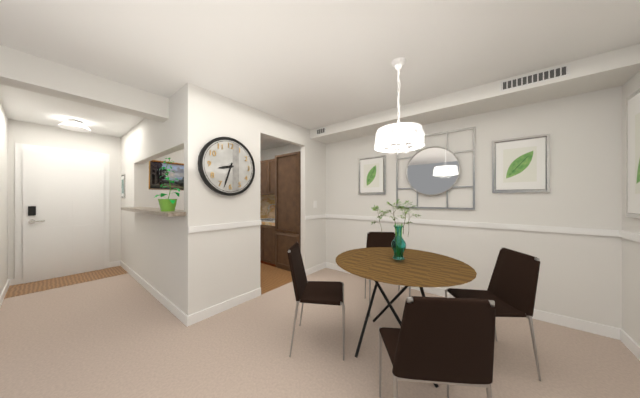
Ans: 8:33
